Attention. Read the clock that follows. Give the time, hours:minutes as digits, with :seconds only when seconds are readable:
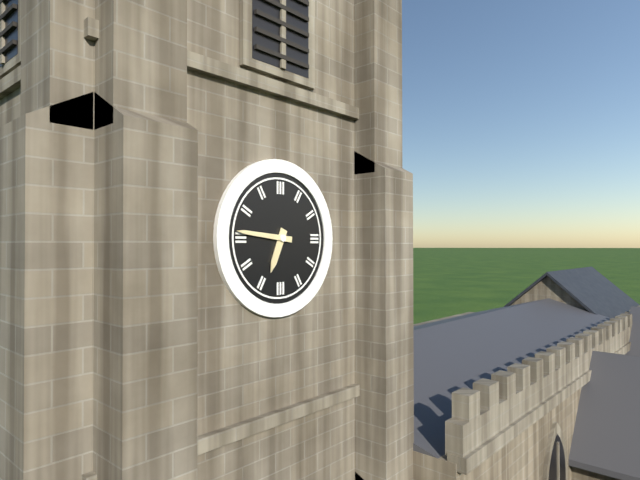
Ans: 6:46
